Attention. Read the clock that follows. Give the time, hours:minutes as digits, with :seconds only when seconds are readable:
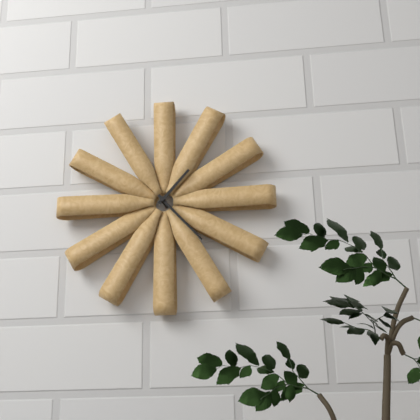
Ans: 1:23
